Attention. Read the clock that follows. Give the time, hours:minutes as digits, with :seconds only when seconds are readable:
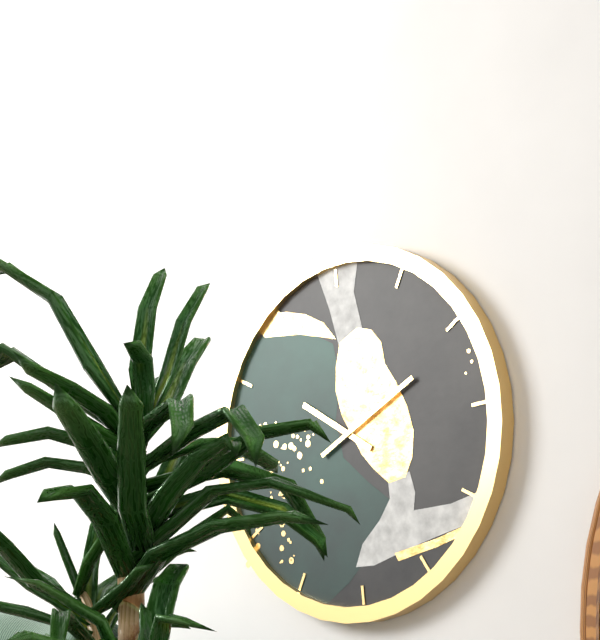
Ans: 10:11
